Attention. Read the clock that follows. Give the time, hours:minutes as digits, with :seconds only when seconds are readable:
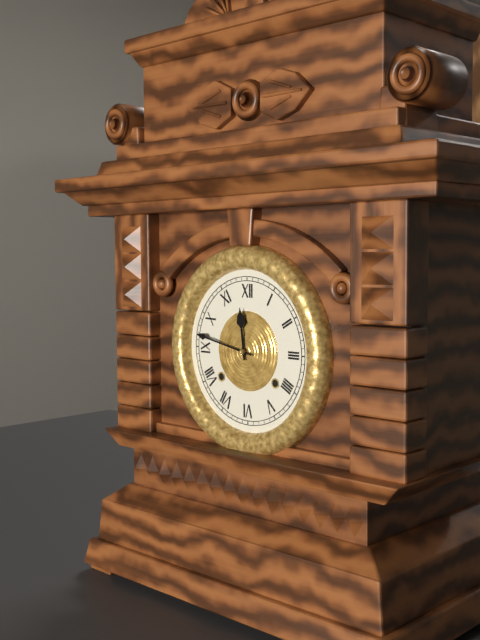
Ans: 11:47
